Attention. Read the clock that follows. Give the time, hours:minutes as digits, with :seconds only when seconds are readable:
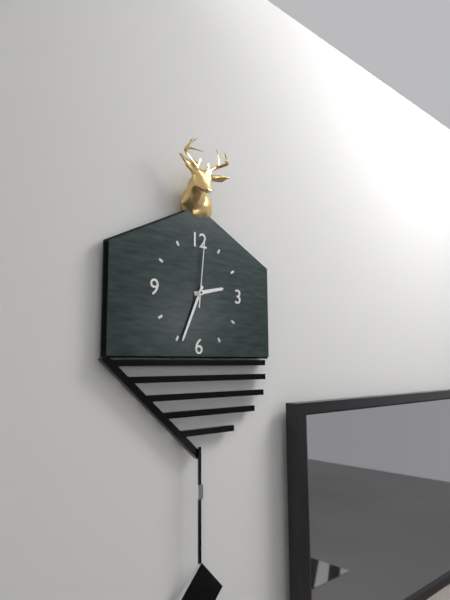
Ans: 2:34:01
